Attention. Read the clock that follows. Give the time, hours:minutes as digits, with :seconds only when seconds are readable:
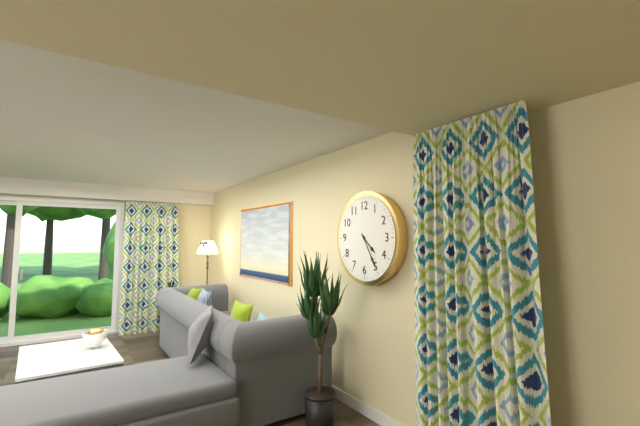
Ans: 4:25
